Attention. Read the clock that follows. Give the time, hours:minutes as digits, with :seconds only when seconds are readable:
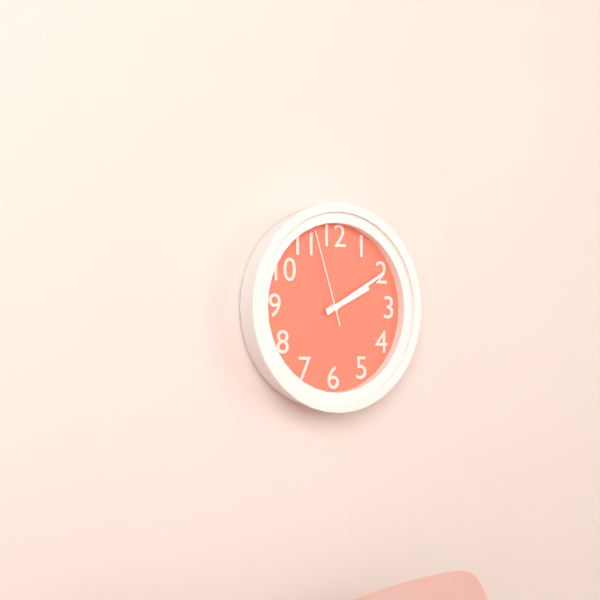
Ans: 2:10:57
